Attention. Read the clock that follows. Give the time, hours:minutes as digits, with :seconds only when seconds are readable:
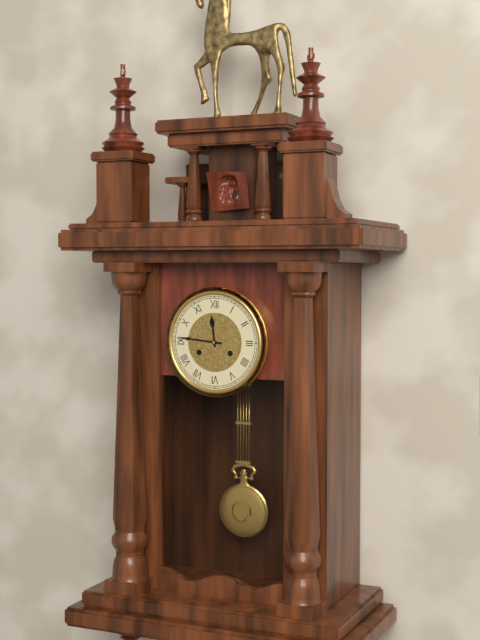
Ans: 11:46
